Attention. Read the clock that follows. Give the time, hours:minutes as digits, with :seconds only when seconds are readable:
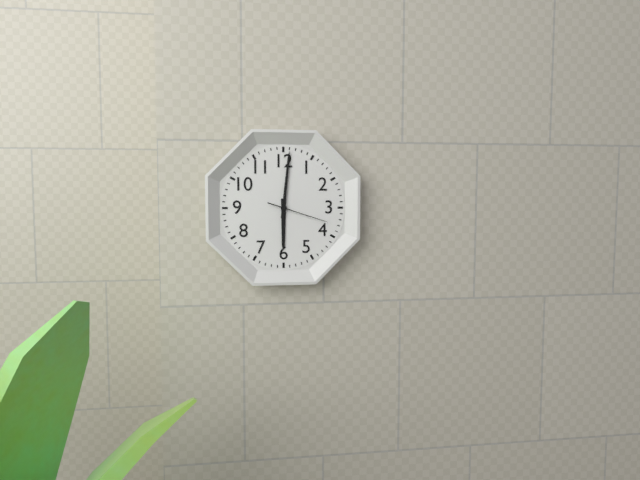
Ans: 6:01:18
